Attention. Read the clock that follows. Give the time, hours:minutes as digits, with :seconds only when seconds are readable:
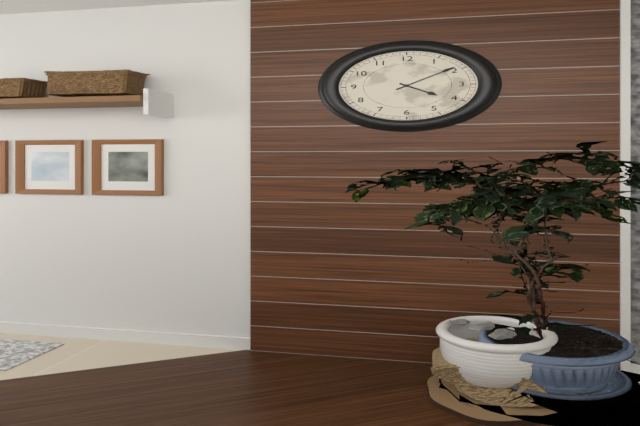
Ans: 4:09
